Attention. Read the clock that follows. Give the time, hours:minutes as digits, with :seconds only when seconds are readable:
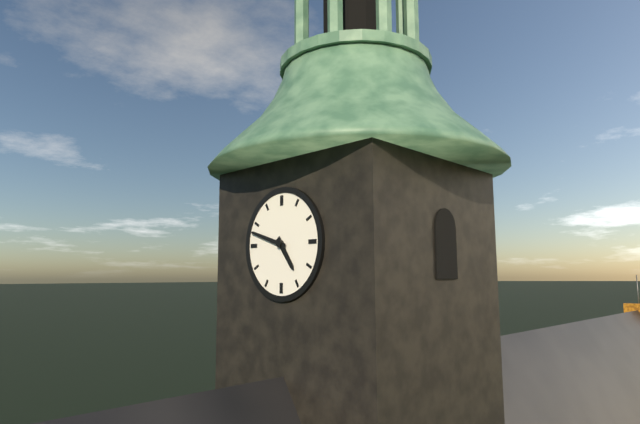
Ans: 4:48
